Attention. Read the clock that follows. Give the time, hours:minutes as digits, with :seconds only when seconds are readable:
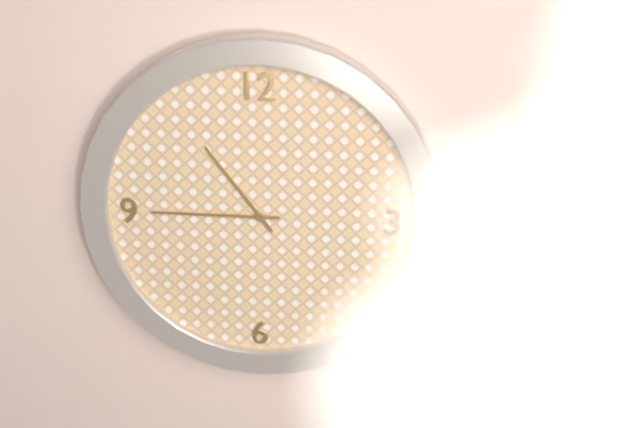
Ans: 10:45
